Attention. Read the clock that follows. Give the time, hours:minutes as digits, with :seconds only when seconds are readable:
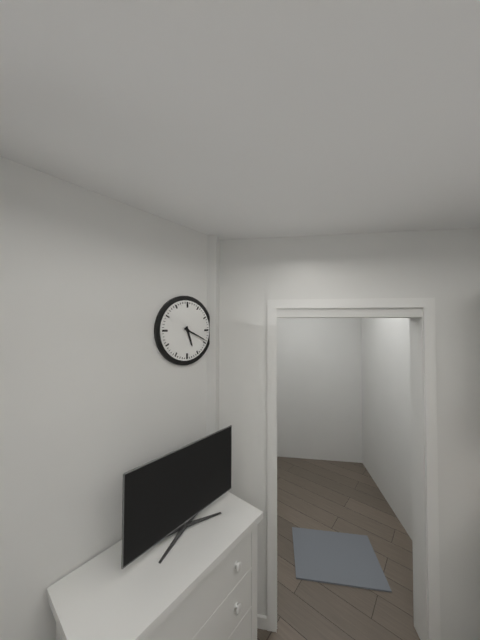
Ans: 5:19
